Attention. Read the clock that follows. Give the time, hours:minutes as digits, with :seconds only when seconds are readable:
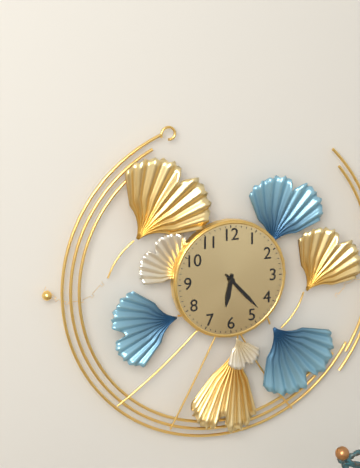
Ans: 6:23
